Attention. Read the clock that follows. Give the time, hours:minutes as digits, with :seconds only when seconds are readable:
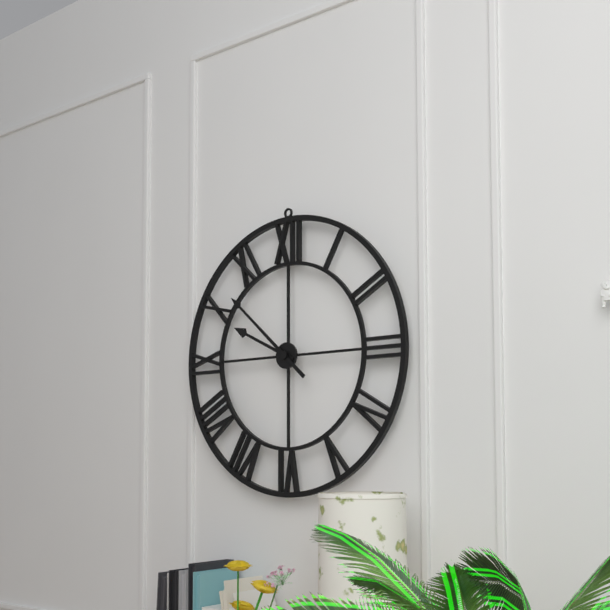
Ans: 9:52
